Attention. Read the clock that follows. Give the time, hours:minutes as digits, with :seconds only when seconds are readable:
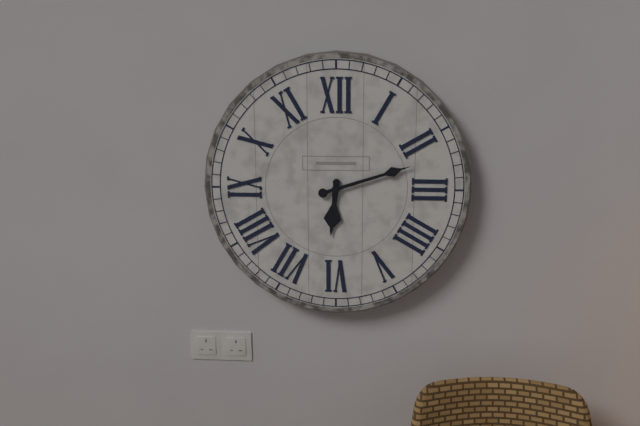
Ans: 6:12
